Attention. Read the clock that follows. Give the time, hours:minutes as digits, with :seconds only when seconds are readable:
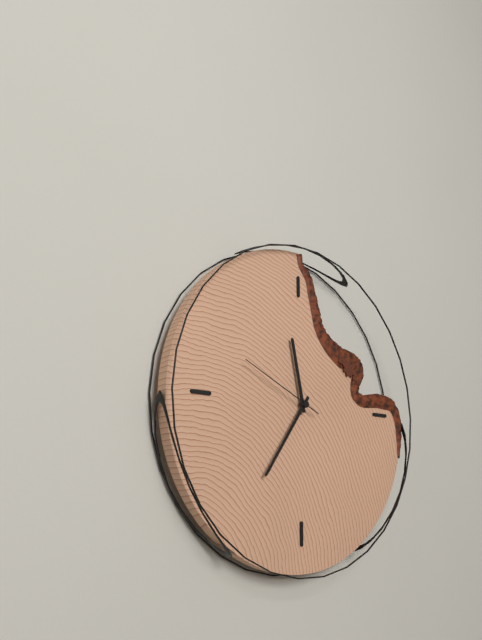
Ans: 11:36:49
